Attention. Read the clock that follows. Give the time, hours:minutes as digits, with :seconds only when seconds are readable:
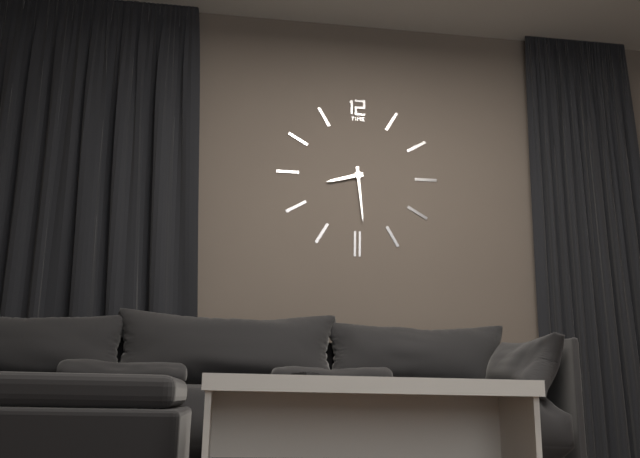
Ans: 8:29
